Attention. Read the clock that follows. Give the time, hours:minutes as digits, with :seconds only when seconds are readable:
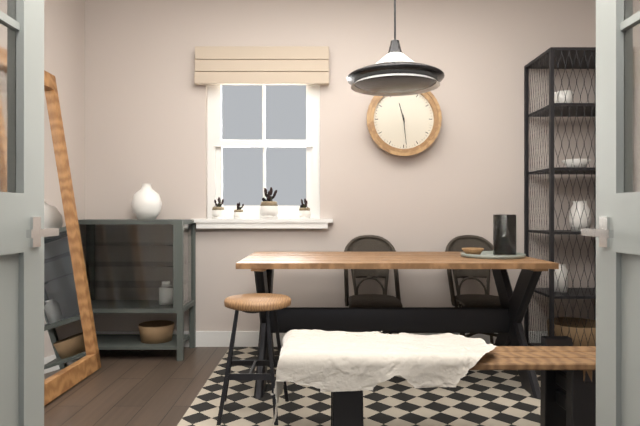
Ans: 11:29
